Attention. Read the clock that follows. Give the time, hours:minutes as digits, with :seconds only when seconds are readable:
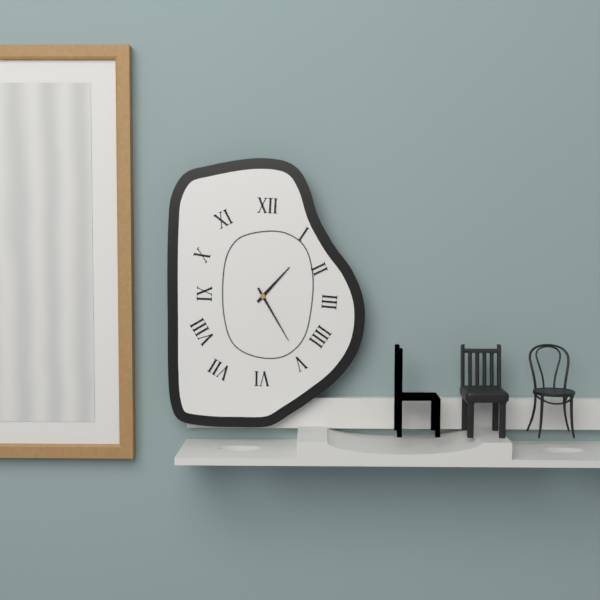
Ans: 1:25
